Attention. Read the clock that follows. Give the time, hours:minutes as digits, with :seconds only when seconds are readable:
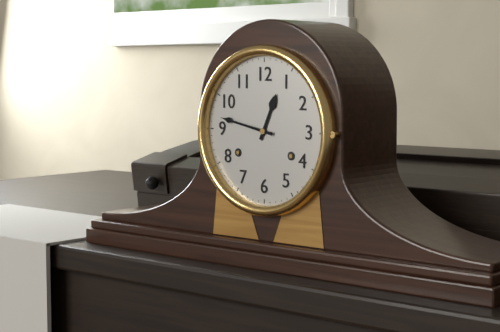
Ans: 12:47
